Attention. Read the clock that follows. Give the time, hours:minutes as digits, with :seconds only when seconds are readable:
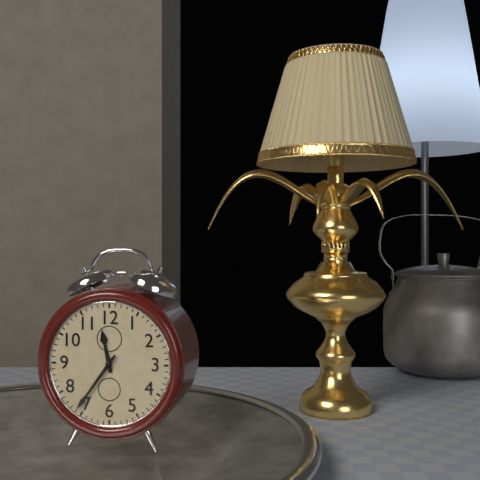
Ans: 11:36
